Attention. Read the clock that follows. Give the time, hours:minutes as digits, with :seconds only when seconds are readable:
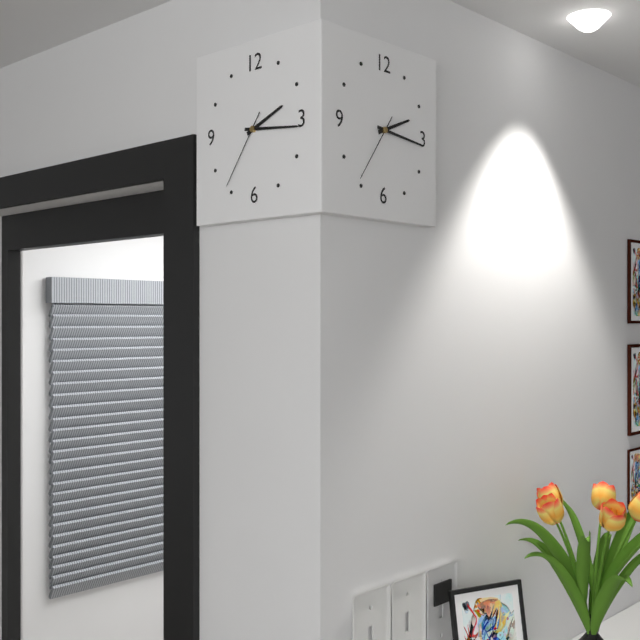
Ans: 2:16:36
